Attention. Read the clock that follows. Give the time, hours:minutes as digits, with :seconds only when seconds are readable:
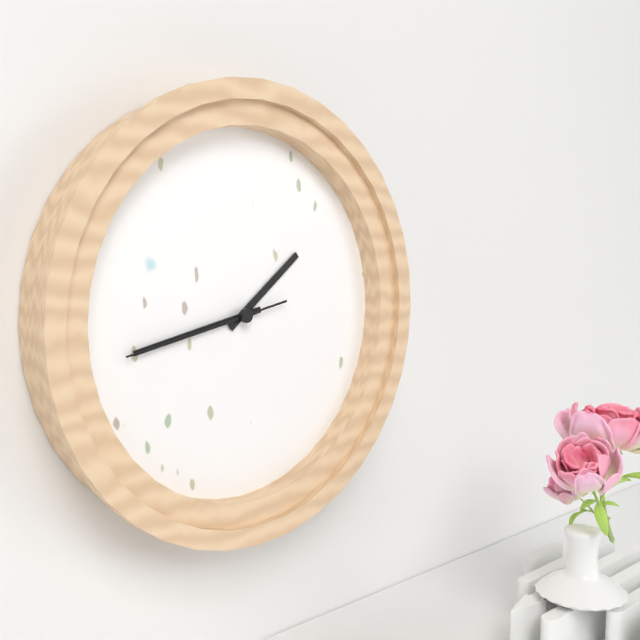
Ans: 1:43:43
